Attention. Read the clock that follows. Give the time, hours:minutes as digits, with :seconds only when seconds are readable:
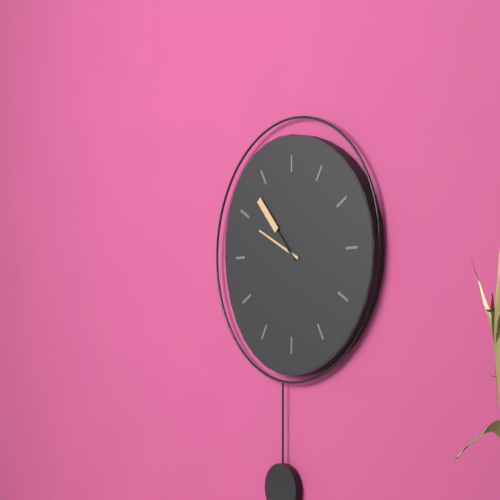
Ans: 9:53
